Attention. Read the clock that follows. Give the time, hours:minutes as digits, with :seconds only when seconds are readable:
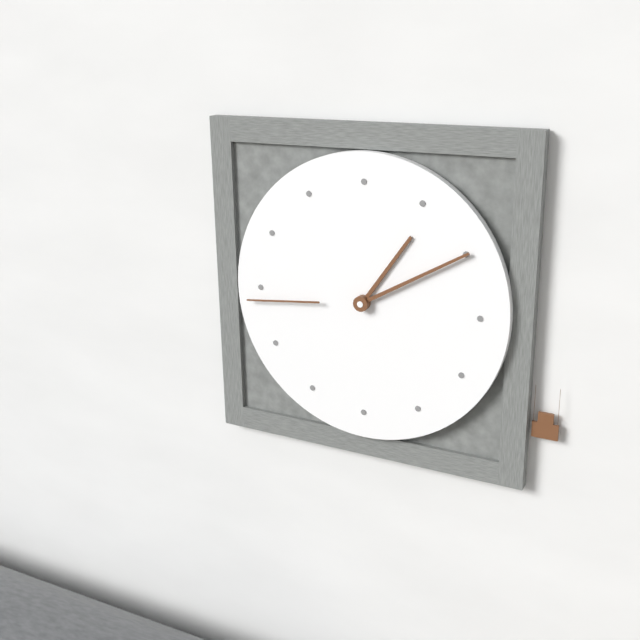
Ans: 1:10:44
